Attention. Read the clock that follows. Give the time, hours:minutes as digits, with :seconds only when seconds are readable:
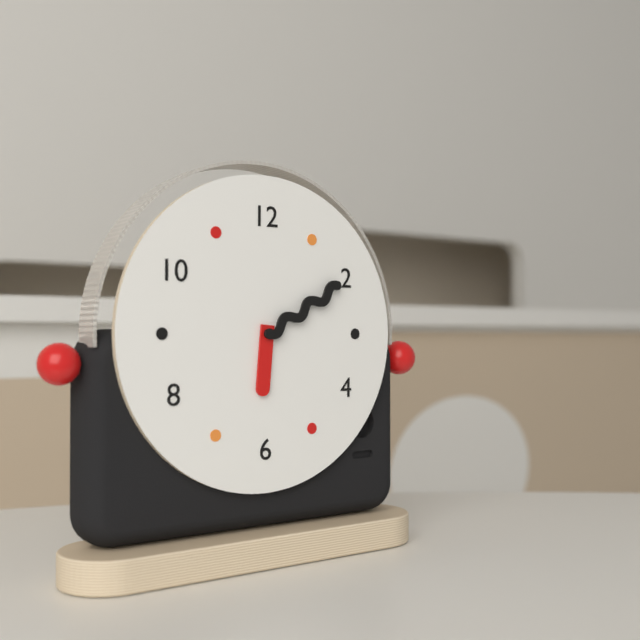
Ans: 6:10
